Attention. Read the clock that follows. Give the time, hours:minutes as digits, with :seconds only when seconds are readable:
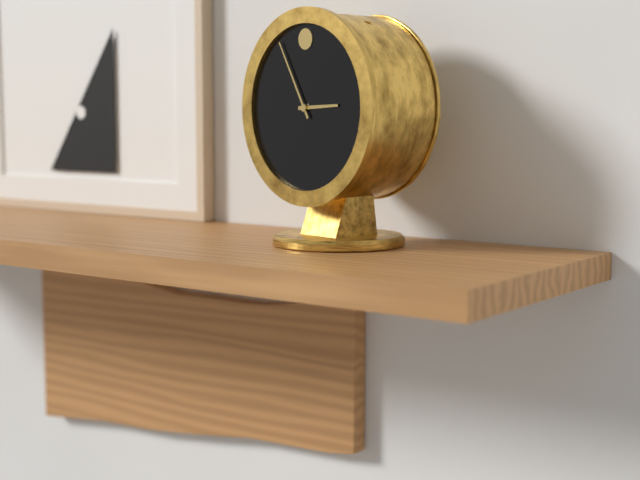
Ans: 2:55
